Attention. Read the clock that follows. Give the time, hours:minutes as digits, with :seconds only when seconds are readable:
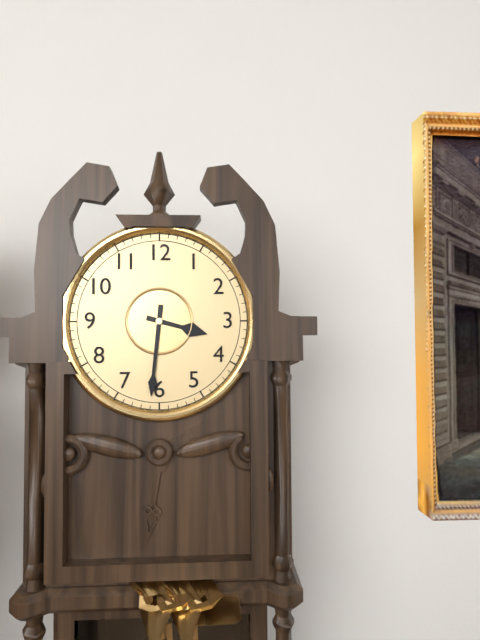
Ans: 3:31
